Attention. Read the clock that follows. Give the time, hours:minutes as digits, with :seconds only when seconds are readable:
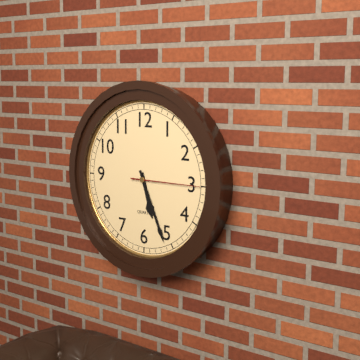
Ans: 5:26:15
